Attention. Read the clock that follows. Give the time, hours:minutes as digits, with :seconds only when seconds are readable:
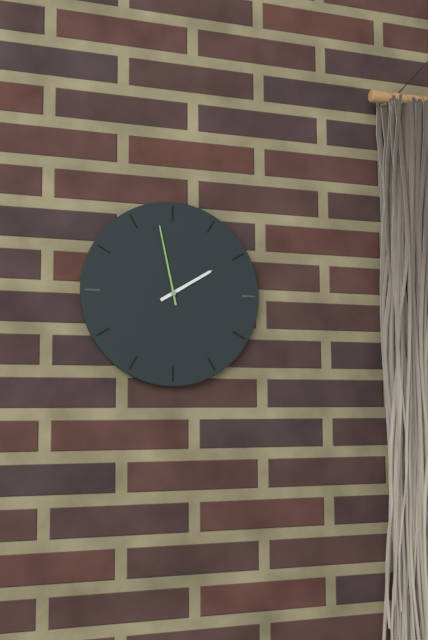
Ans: 1:58
